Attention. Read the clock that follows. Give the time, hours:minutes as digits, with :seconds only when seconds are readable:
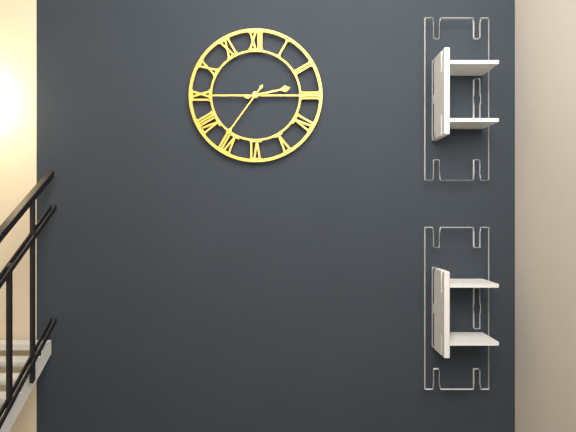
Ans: 2:36
